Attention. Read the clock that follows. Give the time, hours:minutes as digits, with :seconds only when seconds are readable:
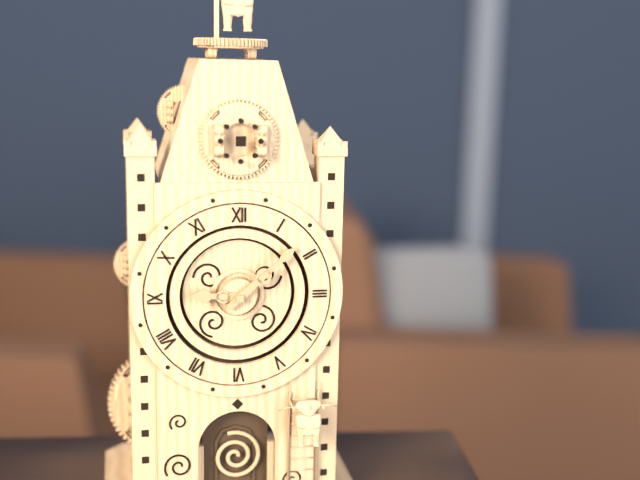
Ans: 9:08
